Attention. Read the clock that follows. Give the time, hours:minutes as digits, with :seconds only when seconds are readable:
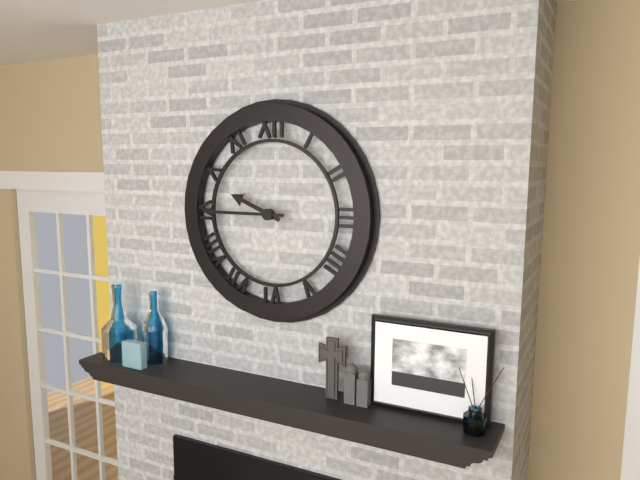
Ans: 9:45
